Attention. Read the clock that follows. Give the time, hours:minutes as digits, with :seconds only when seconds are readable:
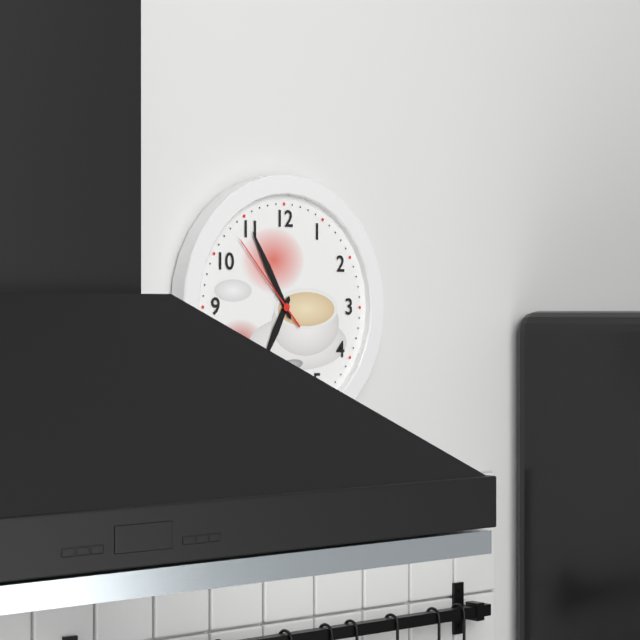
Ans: 6:55:53
